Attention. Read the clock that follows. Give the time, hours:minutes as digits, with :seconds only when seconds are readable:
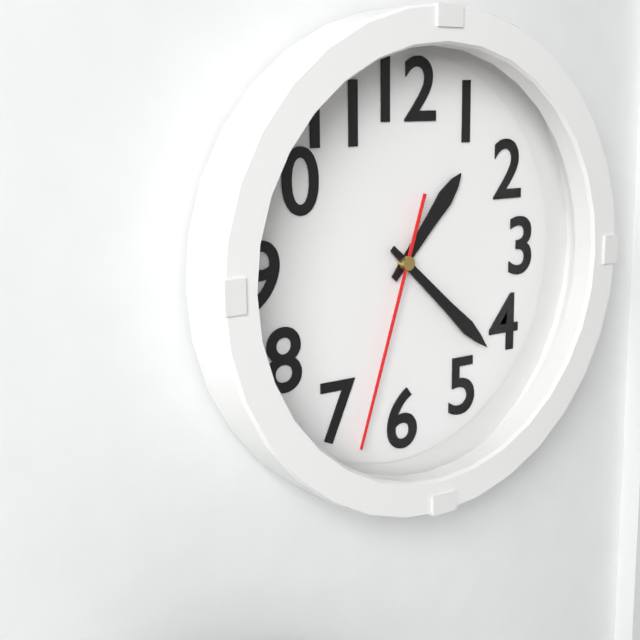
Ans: 1:22:33
